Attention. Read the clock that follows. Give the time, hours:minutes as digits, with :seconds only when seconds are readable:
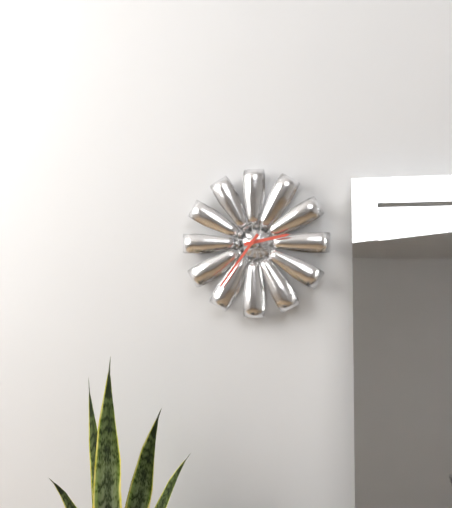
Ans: 2:36
